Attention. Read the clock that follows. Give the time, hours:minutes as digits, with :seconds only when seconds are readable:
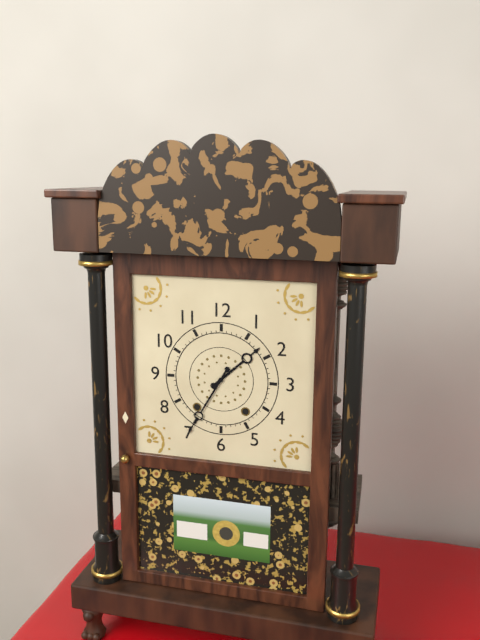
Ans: 1:35
